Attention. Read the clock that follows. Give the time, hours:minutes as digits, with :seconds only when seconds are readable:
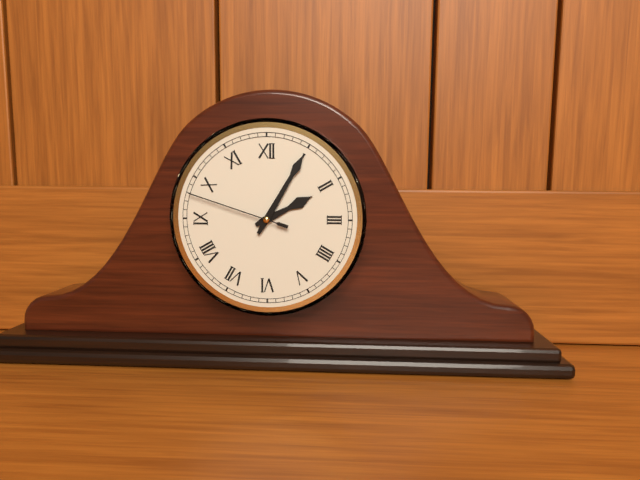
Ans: 2:05:48
